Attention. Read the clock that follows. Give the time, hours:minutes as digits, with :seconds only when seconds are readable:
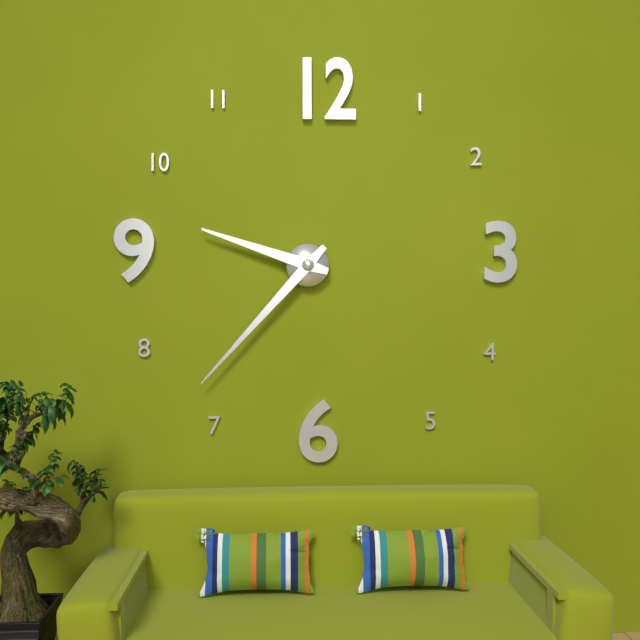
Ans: 9:37
